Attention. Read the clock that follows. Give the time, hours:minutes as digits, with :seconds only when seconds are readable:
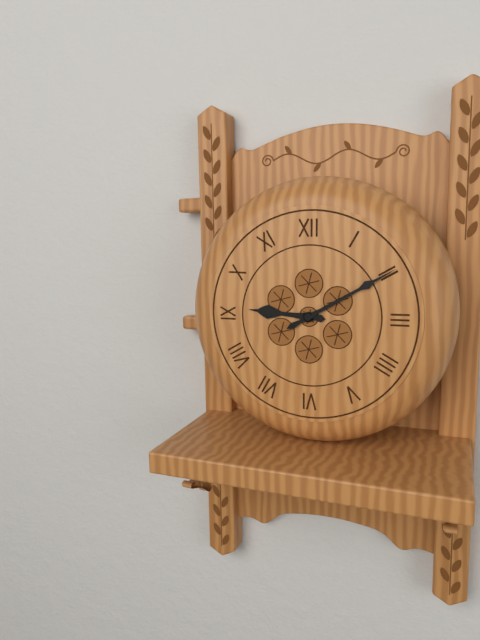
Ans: 9:10
